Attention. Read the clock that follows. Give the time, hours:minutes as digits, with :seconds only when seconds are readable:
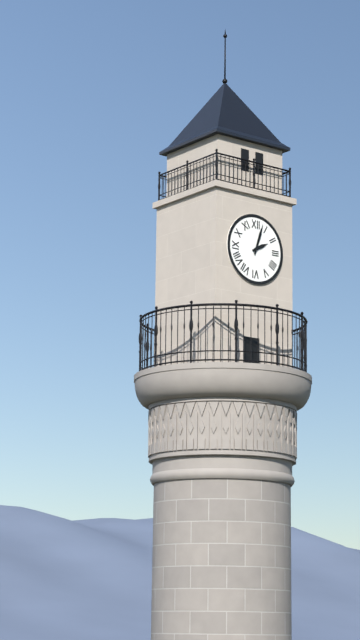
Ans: 2:03
